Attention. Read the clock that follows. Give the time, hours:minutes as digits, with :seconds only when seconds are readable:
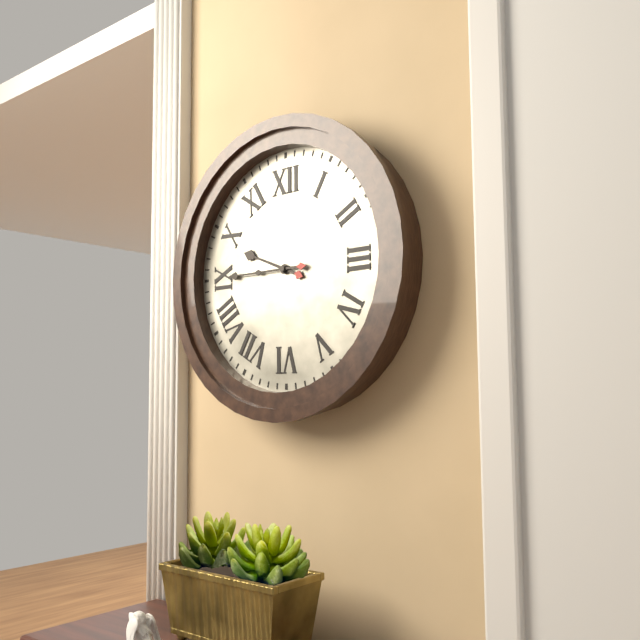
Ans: 9:45
